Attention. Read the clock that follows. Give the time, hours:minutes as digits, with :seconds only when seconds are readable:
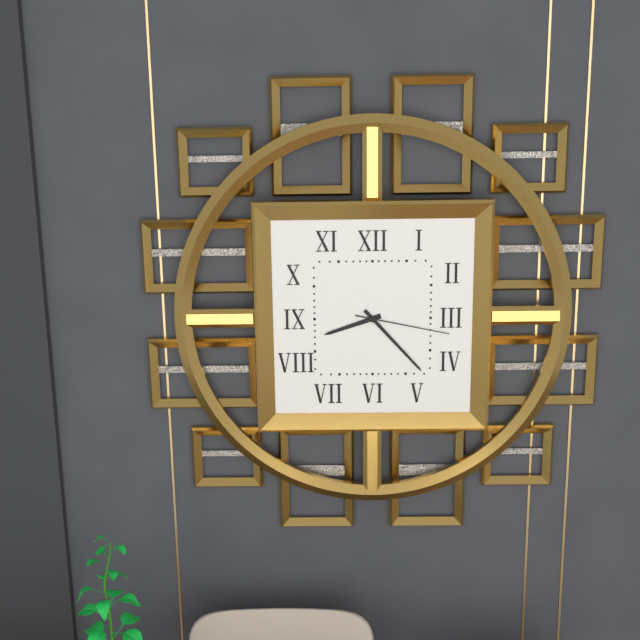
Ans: 8:23:17
